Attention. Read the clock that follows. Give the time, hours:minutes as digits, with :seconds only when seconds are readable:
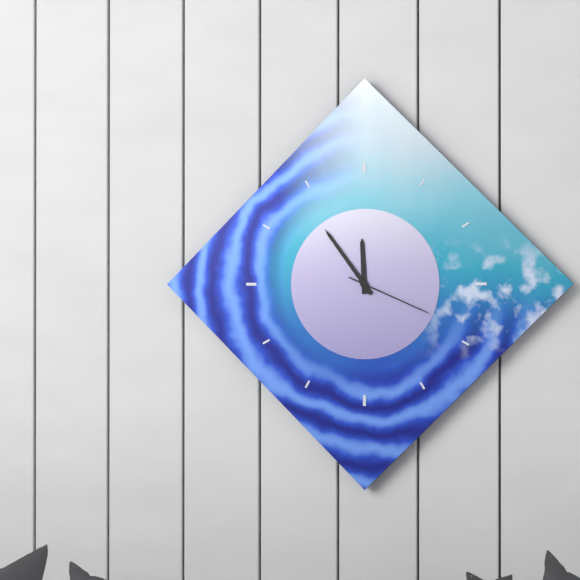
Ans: 11:54:19
